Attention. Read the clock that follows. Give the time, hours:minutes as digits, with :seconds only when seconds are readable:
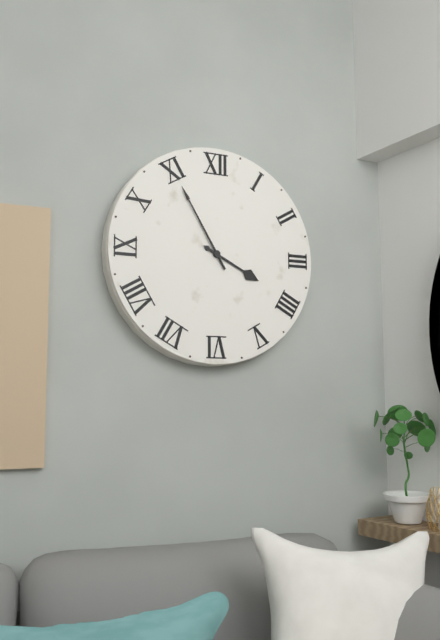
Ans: 3:55
